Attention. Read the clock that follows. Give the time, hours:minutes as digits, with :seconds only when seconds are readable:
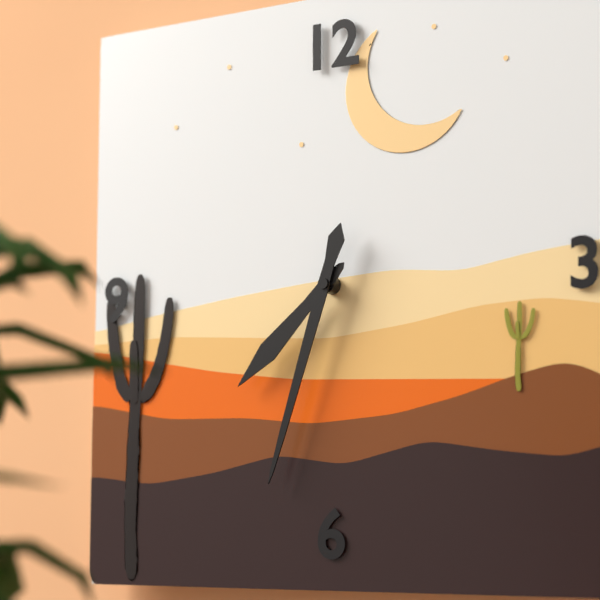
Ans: 7:33
